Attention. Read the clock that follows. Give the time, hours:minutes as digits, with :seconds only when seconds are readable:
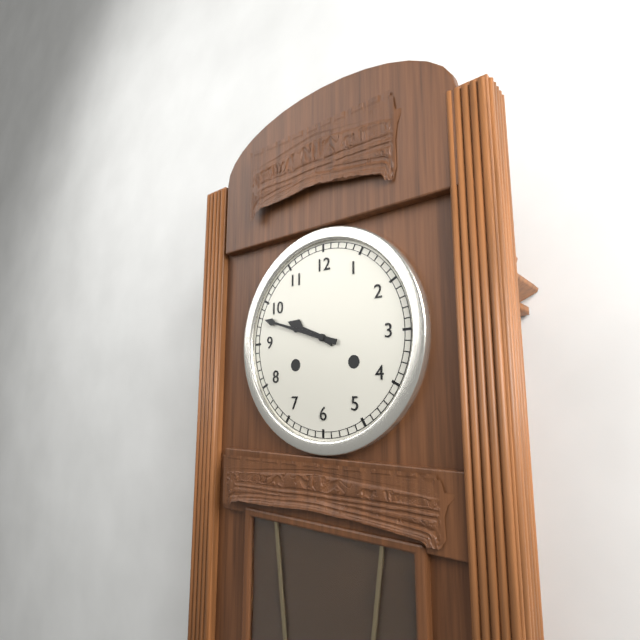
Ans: 9:48
